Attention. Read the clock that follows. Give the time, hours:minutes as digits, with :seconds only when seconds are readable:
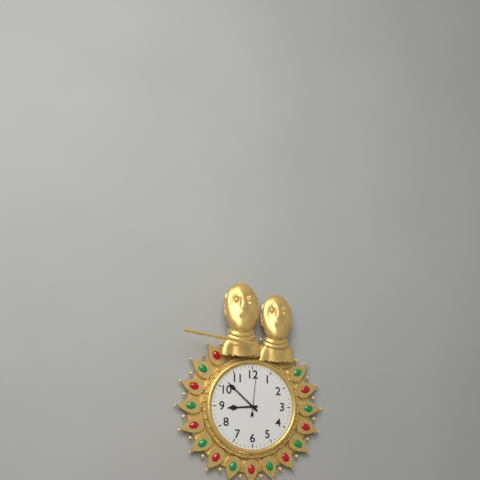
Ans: 8:52
